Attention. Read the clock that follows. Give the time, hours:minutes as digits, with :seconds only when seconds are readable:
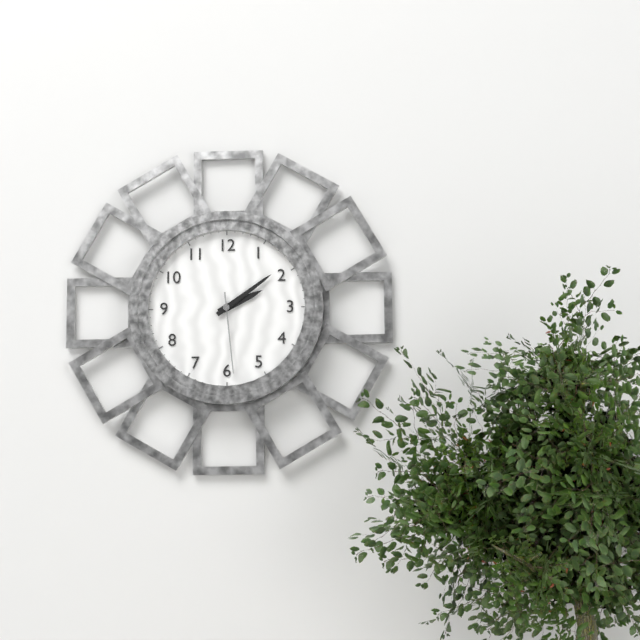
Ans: 2:09:29
